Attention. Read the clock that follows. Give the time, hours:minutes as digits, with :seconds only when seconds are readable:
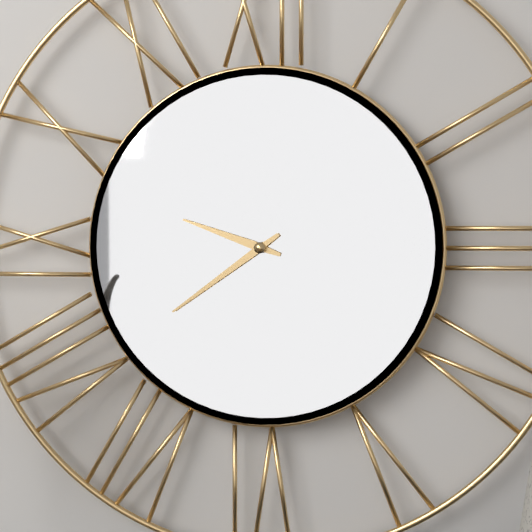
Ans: 9:39
